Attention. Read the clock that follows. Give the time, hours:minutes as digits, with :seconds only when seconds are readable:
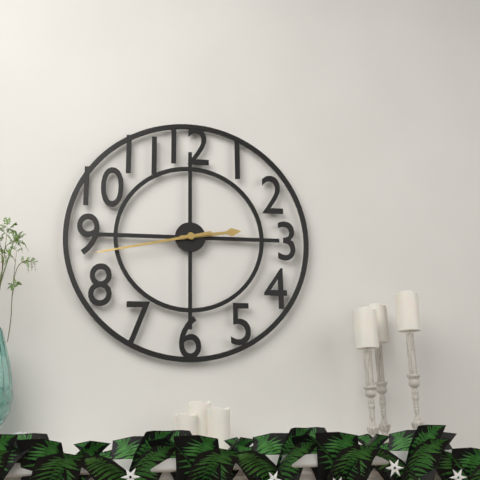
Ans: 2:43
